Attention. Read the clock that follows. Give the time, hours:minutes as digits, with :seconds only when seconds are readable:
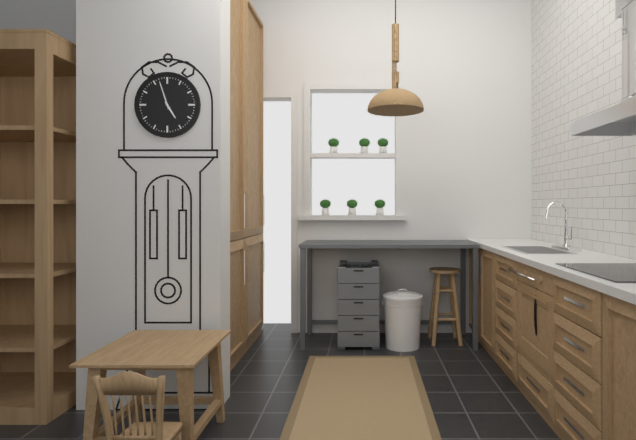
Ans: 4:57
